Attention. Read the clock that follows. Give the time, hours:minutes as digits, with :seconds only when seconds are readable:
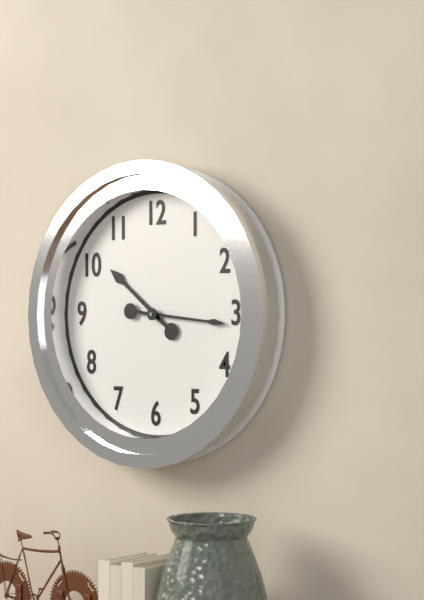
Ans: 10:16
